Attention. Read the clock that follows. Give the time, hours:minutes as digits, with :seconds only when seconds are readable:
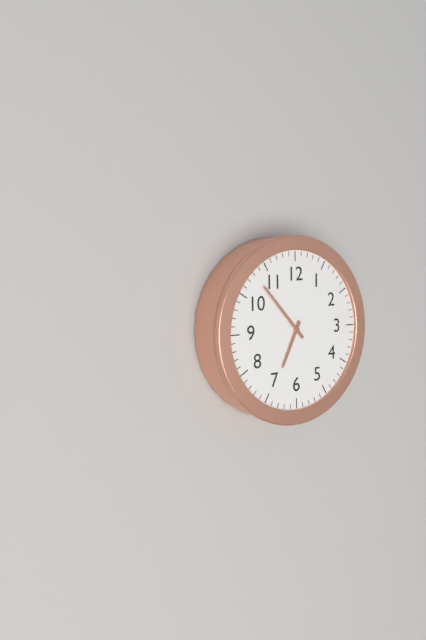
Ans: 6:53
